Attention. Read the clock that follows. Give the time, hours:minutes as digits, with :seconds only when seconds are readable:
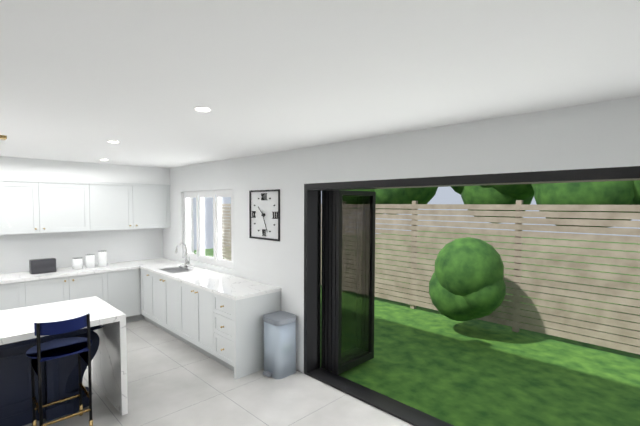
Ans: 10:26
